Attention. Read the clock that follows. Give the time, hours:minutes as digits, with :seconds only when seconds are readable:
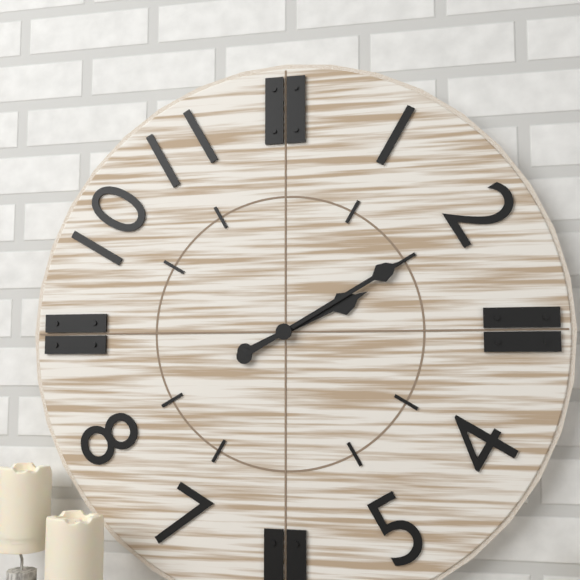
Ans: 2:10
